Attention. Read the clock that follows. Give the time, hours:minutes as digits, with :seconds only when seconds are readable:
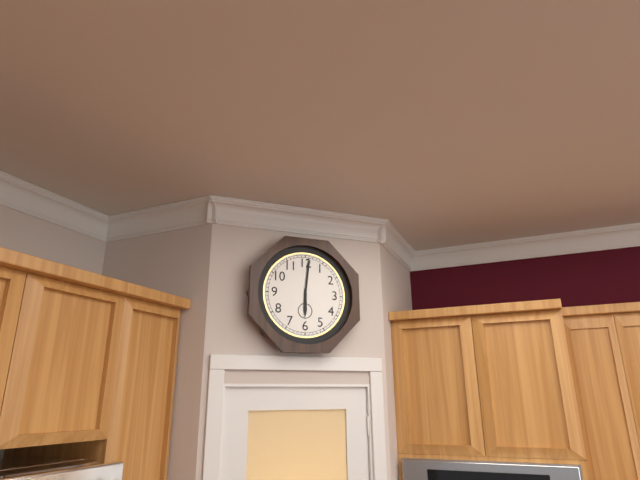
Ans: 6:01
